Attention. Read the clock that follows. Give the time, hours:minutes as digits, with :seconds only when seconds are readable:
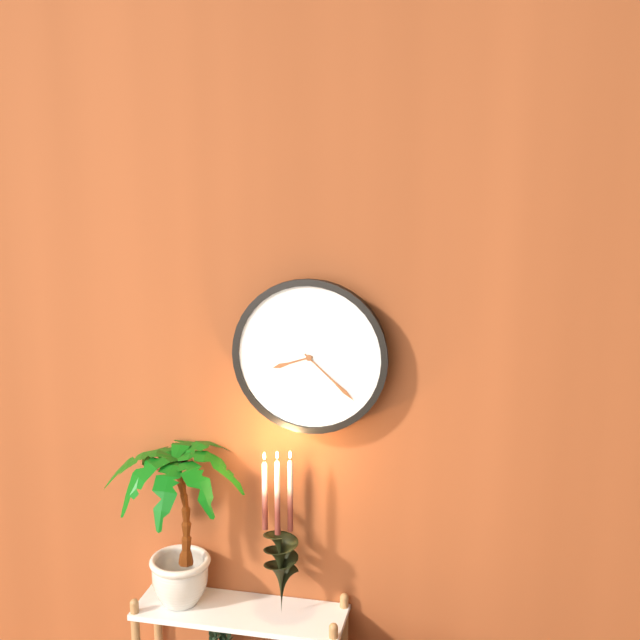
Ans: 8:22
